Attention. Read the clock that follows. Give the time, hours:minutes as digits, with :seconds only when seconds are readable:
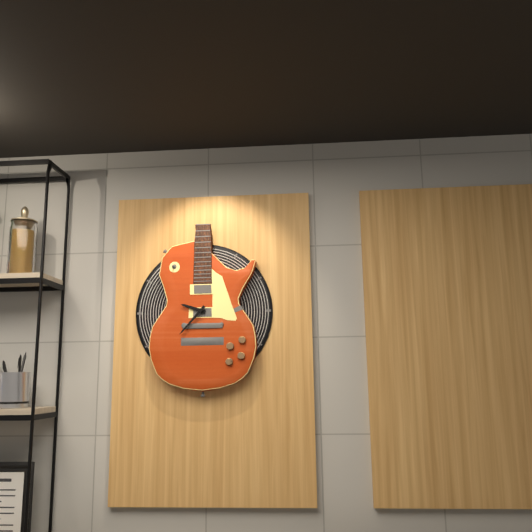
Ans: 9:37
